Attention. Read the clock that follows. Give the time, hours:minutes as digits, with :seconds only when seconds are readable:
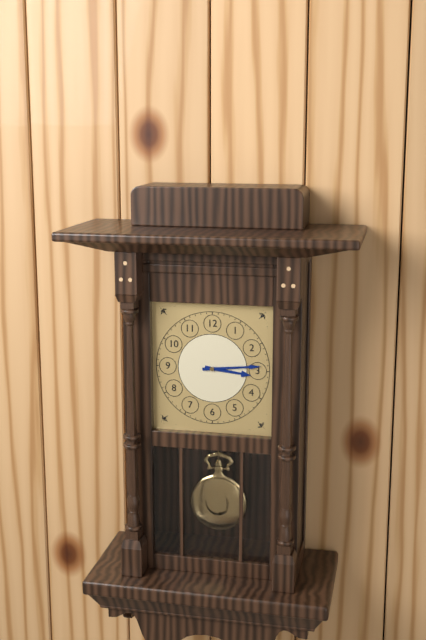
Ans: 3:14
